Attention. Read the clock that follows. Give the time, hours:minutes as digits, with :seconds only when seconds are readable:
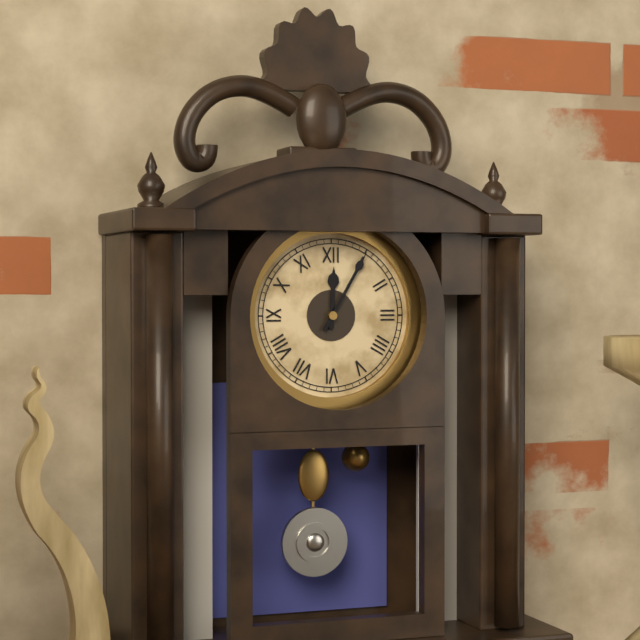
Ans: 12:05
